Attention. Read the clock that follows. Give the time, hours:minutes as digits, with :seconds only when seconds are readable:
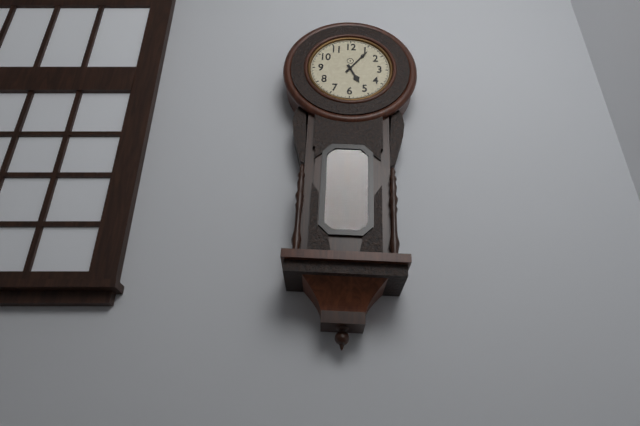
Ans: 5:06
